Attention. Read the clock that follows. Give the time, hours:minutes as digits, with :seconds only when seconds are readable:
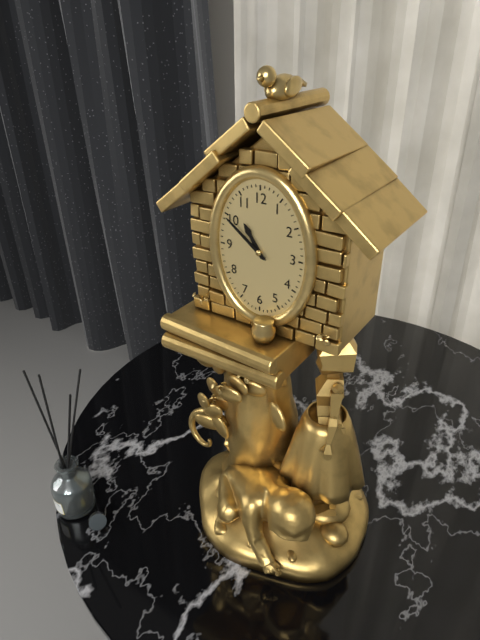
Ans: 10:51
